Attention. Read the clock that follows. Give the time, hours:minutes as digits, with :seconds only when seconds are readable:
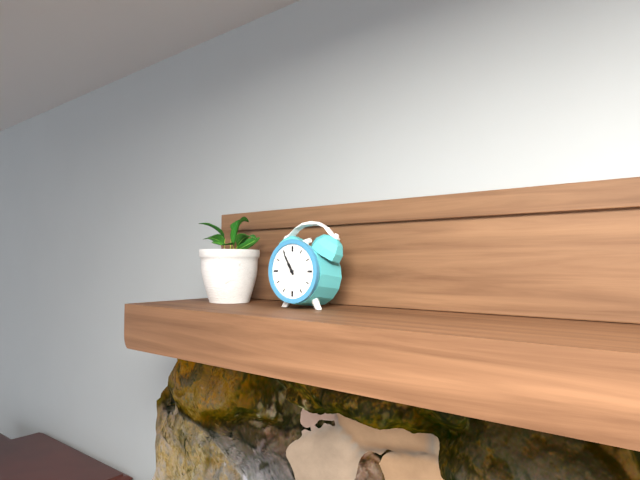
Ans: 10:55
